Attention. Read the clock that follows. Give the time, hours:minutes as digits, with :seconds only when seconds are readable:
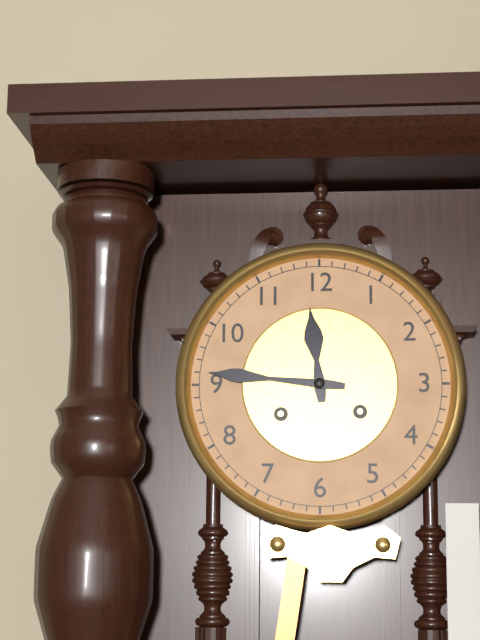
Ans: 11:46
